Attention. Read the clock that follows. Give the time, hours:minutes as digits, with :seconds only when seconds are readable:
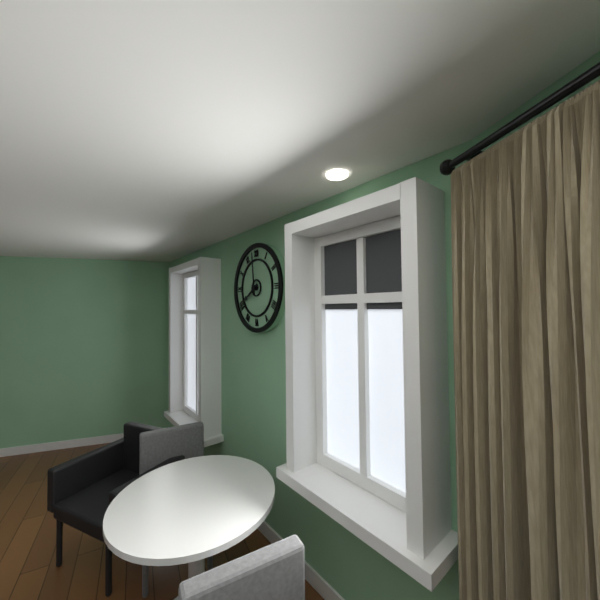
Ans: 7:59
